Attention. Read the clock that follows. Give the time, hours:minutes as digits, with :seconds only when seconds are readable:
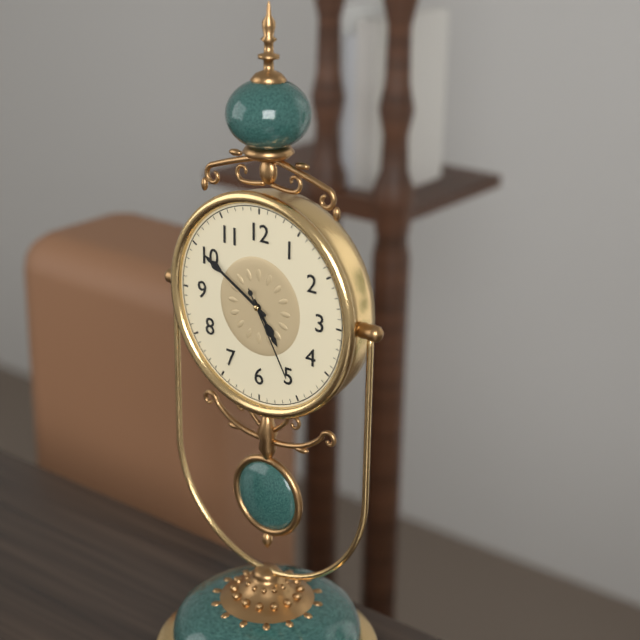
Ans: 4:50:25
